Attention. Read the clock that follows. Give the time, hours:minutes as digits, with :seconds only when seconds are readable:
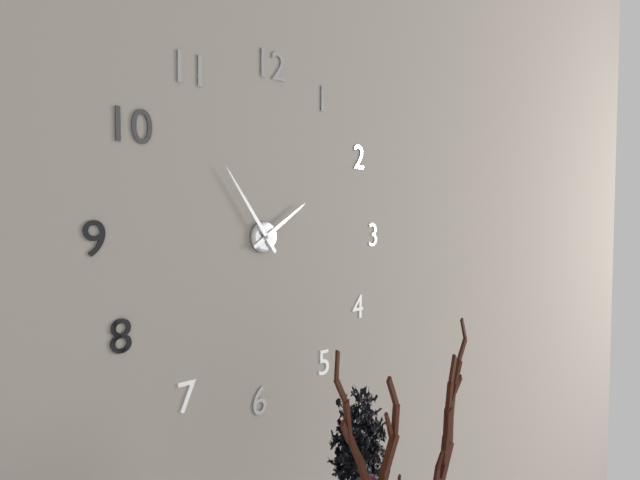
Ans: 1:54
